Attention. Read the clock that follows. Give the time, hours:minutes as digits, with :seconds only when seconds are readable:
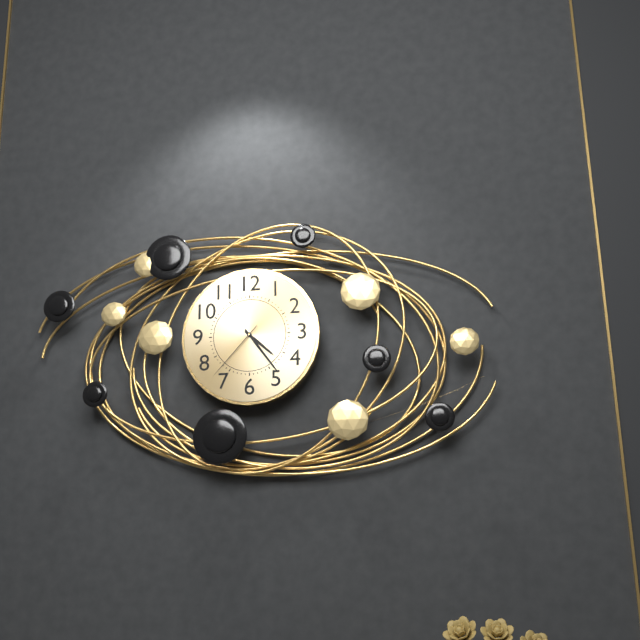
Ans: 4:24:37
